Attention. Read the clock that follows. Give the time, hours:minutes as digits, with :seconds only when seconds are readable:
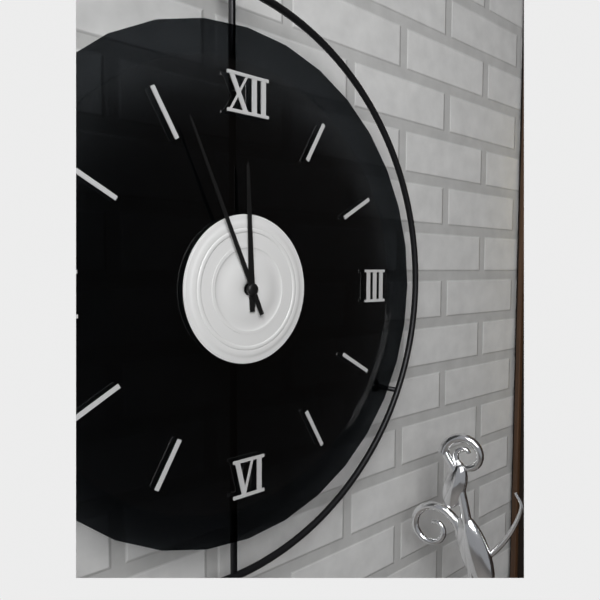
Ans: 11:56
